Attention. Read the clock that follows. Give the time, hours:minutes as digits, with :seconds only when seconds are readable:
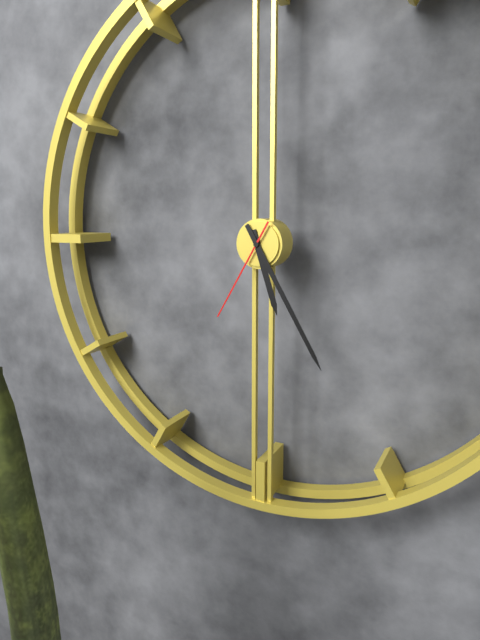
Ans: 5:25:35
